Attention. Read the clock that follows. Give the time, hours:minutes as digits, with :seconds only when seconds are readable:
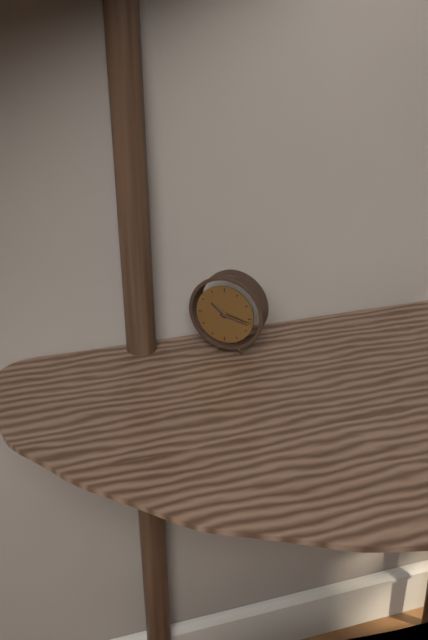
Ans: 10:17
